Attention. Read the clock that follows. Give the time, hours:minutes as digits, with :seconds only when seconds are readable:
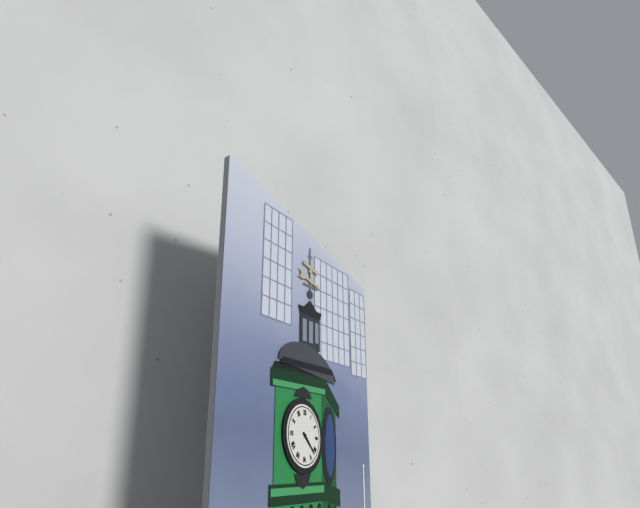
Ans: 4:22
